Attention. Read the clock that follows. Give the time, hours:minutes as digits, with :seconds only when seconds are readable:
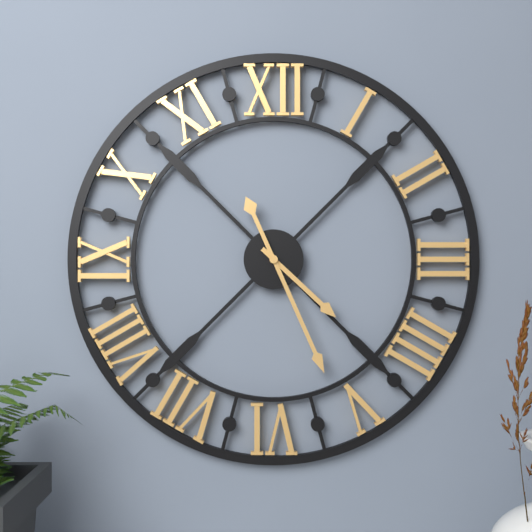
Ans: 4:26
